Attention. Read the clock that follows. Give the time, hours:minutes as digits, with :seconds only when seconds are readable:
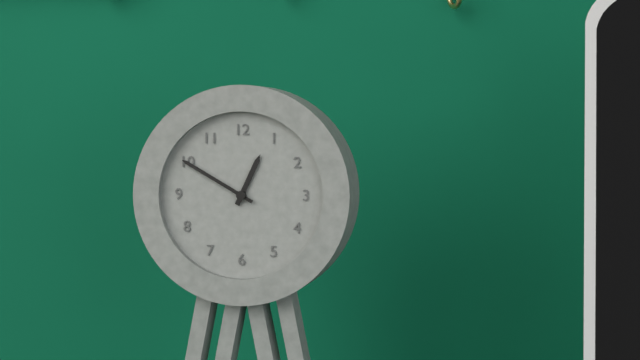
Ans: 12:50
